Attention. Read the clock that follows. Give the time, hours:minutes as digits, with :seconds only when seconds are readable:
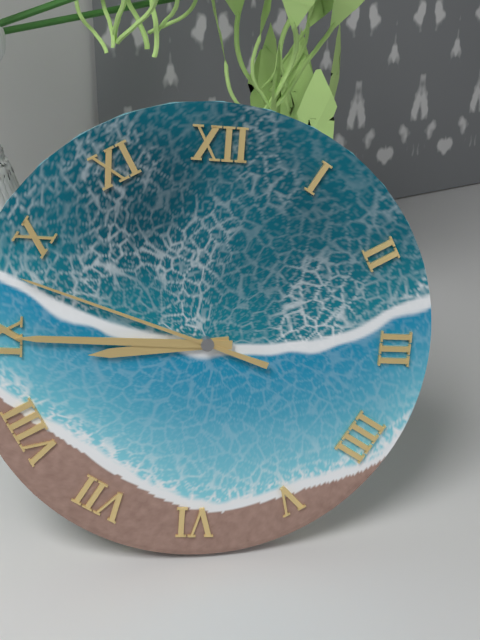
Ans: 8:45:48
